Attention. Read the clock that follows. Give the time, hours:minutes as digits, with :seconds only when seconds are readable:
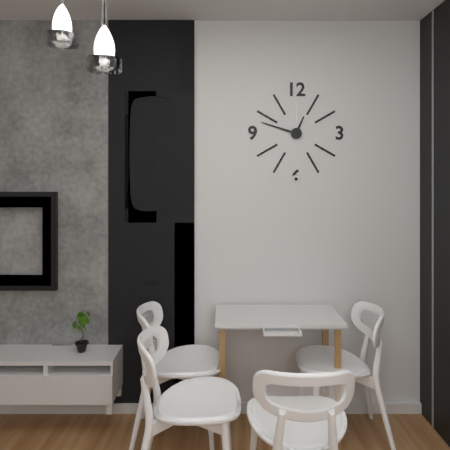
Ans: 12:48
